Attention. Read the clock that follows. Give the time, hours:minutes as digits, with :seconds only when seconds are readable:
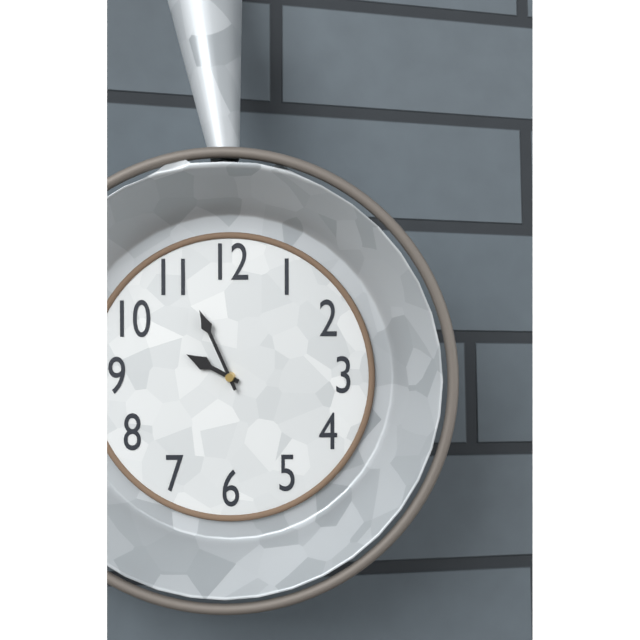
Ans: 9:56
